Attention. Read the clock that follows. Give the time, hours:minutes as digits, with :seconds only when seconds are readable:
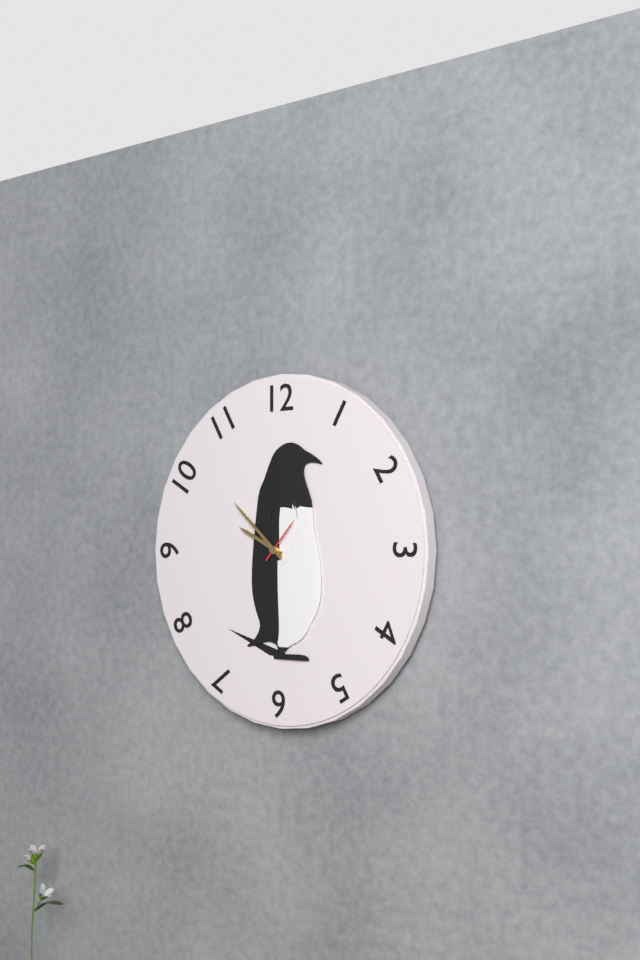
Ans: 9:52
